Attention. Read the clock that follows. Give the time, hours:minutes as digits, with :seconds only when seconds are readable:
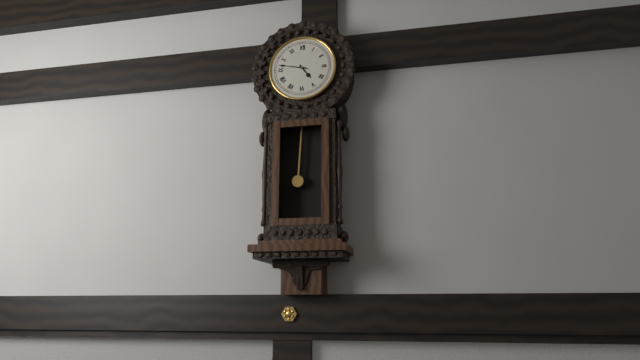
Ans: 4:47
